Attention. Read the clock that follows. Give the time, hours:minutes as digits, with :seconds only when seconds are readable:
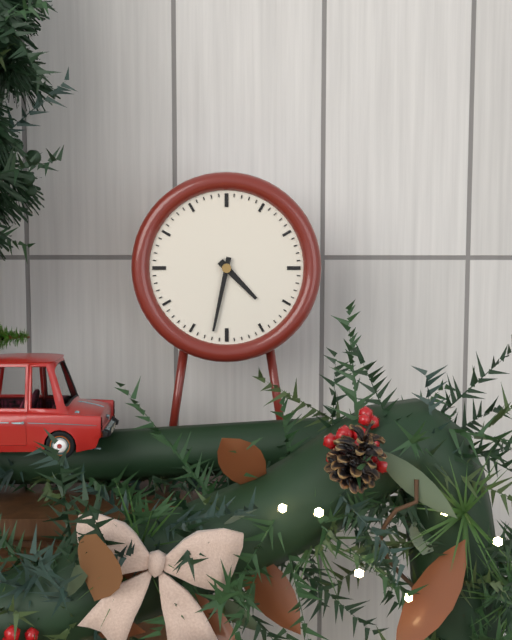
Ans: 4:32
